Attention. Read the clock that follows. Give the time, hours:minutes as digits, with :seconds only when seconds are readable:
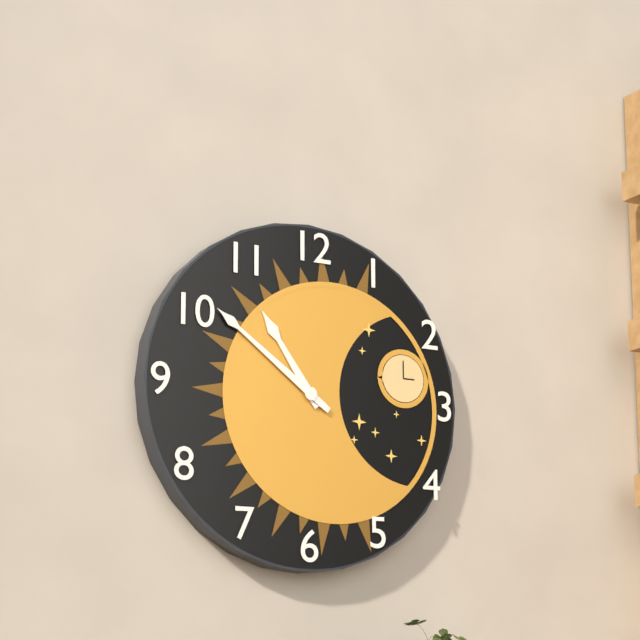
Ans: 10:51
